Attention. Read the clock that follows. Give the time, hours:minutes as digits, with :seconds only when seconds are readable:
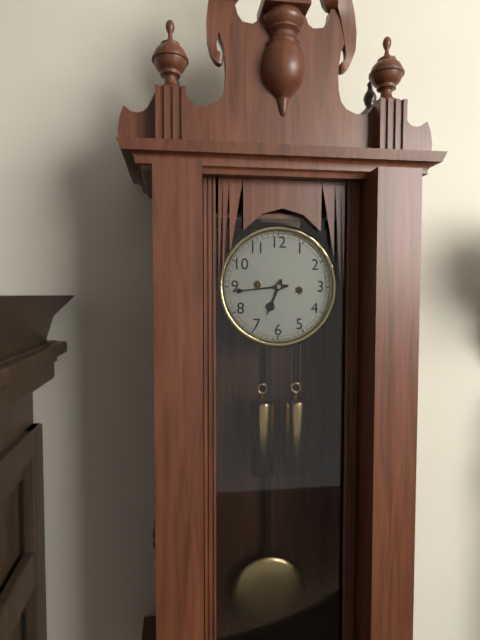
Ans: 6:44
